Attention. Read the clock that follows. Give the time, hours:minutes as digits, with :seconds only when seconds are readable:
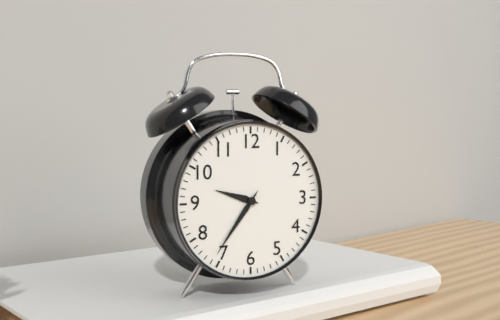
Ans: 9:36
